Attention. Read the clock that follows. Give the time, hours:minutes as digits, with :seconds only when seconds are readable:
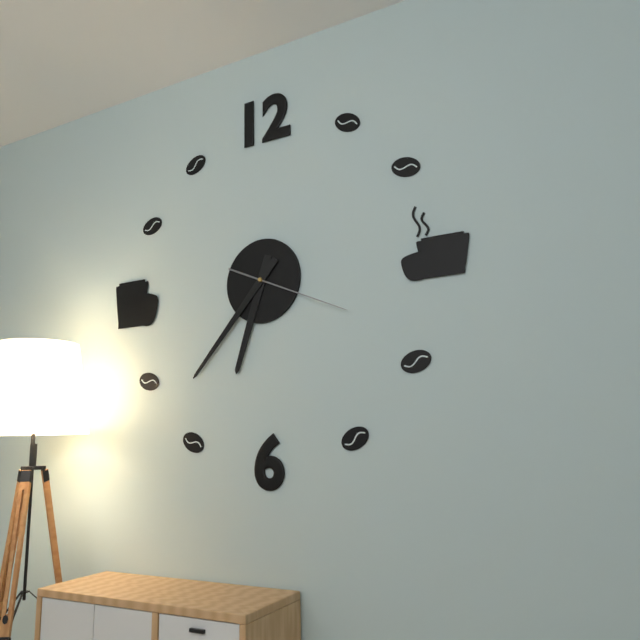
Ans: 6:37:19
